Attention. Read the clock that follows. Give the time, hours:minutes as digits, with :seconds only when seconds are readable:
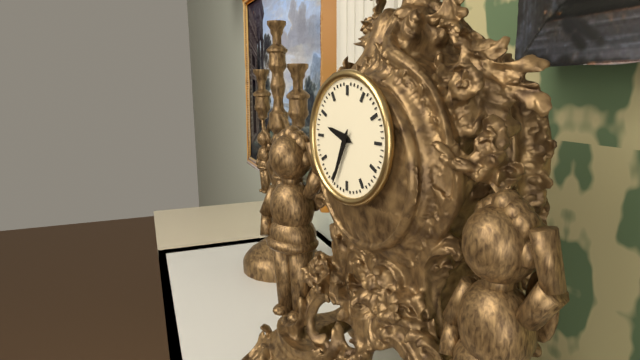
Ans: 9:34
